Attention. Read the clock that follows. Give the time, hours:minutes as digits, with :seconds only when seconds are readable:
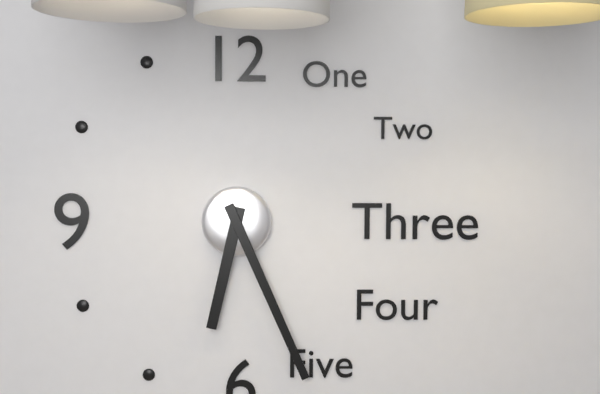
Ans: 6:26
